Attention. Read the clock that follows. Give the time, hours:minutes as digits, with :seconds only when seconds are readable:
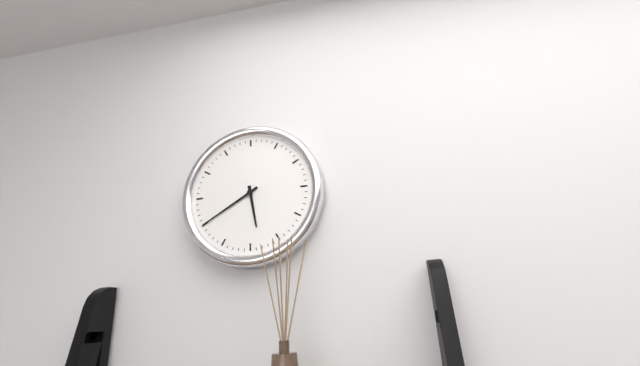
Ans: 5:40
